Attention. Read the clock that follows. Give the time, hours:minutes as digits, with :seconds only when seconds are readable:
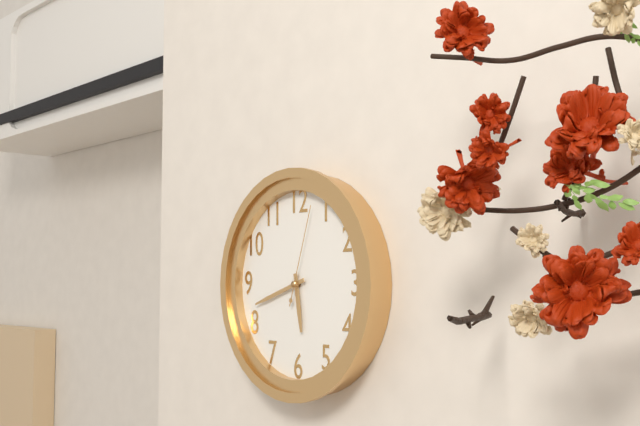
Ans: 5:42:03
